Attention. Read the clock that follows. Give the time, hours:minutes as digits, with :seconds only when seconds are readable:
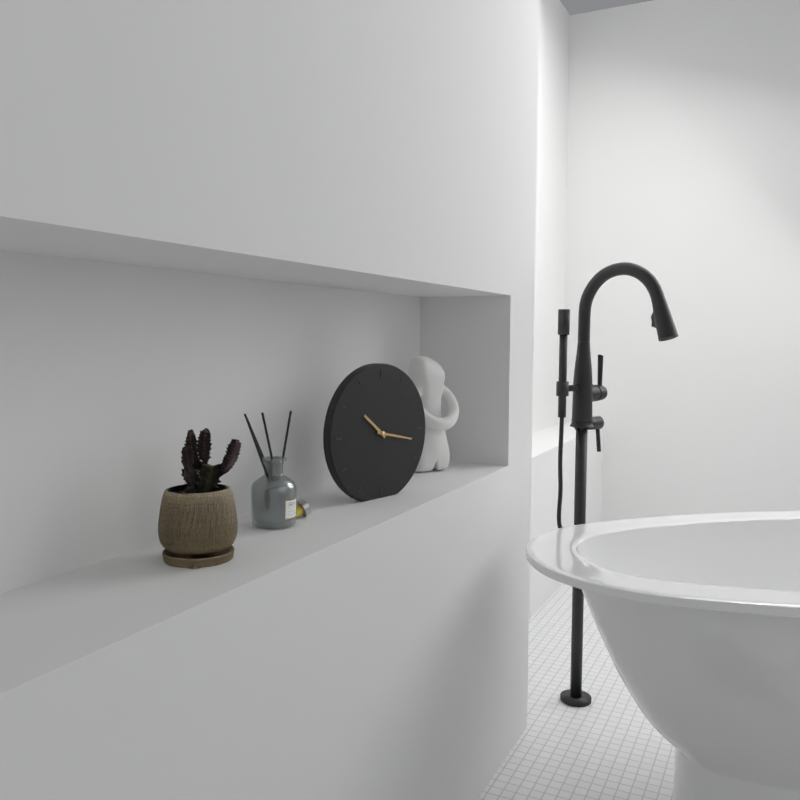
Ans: 10:17
